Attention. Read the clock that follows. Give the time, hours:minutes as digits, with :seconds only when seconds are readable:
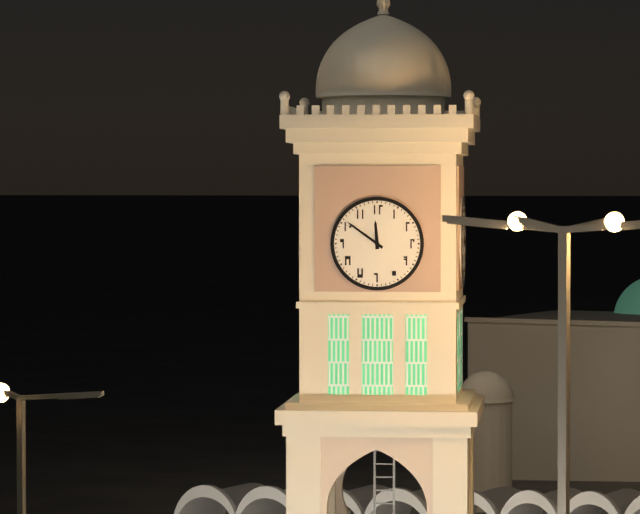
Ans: 11:51
